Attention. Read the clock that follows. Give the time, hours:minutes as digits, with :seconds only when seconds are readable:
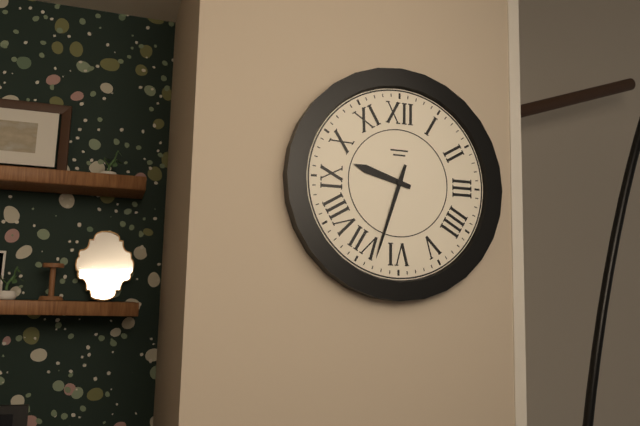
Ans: 9:33
